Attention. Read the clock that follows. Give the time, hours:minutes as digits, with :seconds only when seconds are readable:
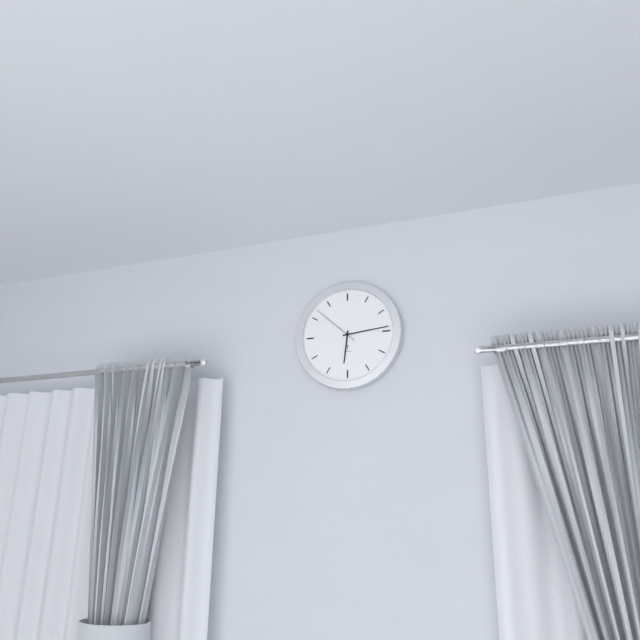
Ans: 6:14
